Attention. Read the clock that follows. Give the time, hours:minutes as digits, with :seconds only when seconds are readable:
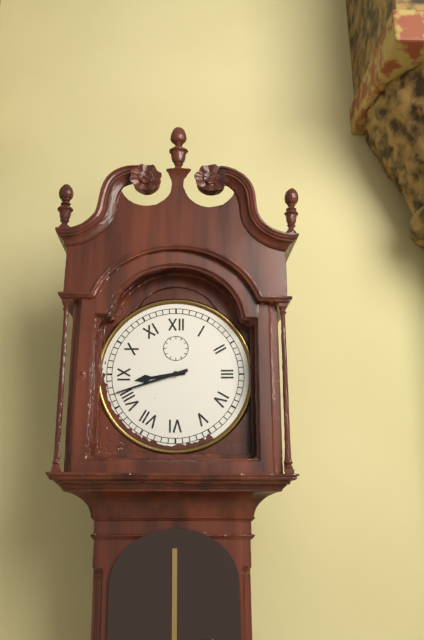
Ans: 8:42
